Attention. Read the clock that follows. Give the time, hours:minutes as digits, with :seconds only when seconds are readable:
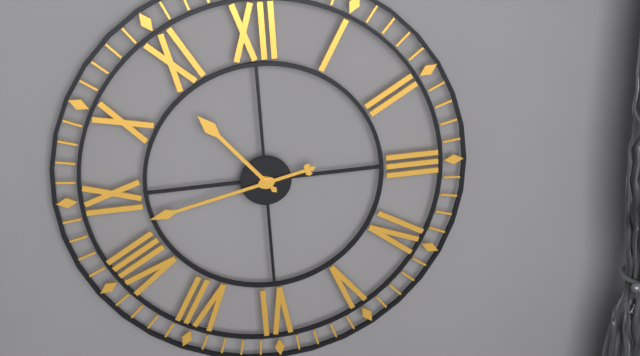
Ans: 10:43
